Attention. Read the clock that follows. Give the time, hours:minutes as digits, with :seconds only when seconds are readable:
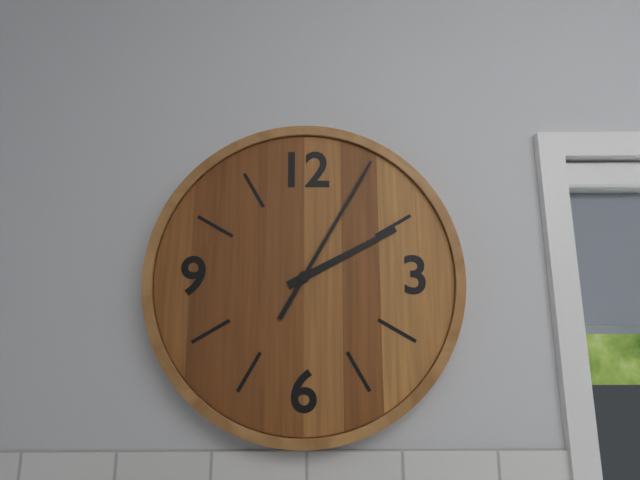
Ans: 2:05
